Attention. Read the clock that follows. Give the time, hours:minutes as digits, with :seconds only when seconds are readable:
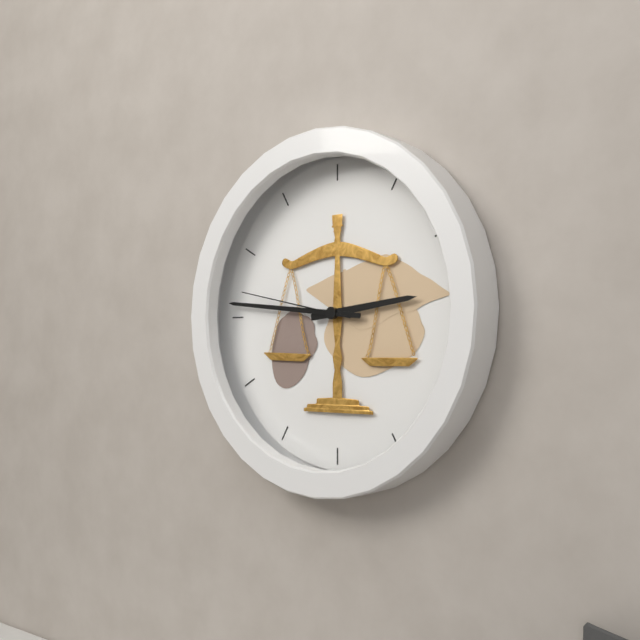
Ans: 2:46:47
